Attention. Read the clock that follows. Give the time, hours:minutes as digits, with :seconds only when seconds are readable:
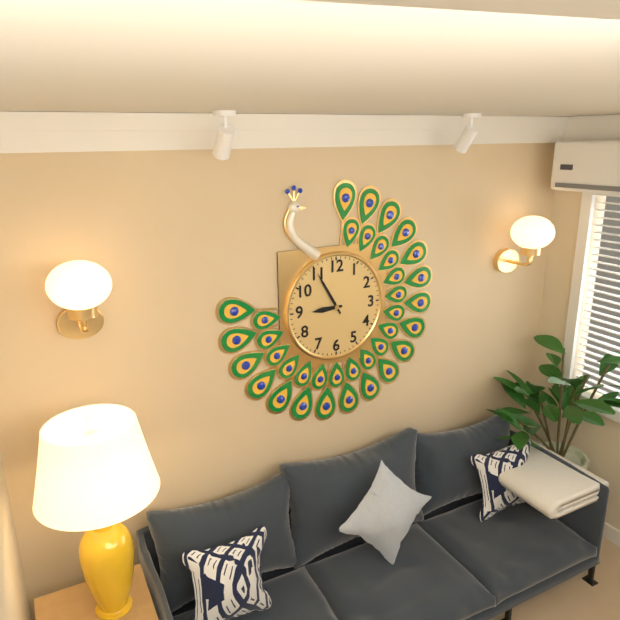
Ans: 8:55
